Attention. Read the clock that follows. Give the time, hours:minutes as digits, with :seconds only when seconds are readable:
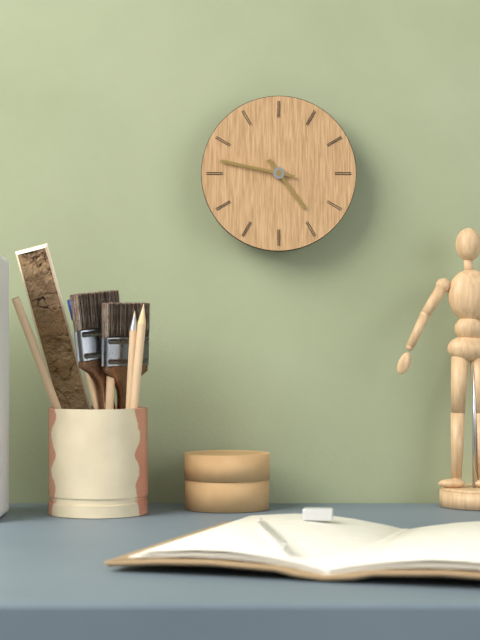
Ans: 4:47
